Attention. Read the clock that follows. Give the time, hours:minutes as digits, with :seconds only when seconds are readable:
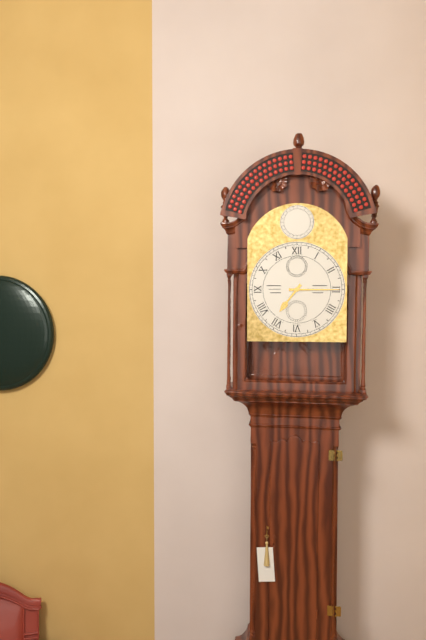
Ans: 7:15
